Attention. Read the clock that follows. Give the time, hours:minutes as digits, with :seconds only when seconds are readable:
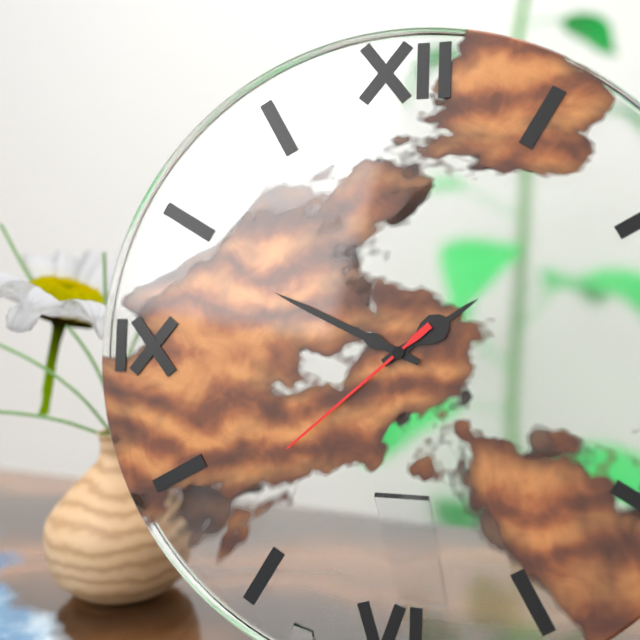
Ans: 1:49:38
